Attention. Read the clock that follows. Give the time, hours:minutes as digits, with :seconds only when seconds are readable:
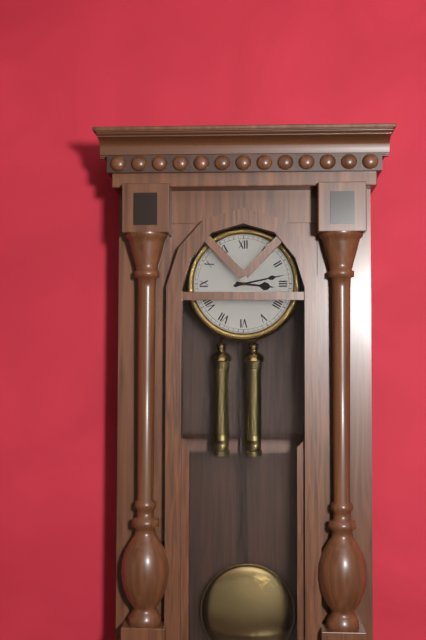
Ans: 3:13
